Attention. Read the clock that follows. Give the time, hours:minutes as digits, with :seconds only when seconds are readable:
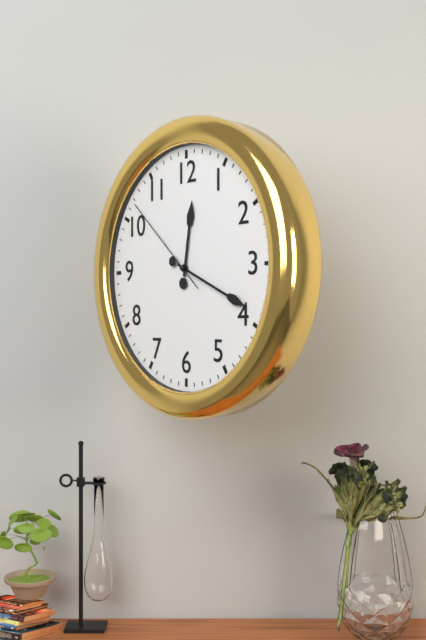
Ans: 12:19:52
